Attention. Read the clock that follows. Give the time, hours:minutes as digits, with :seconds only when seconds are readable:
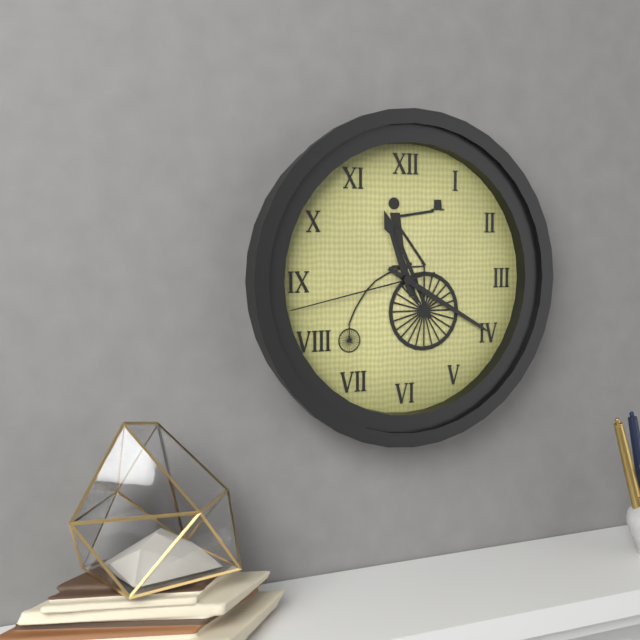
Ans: 11:20:43
